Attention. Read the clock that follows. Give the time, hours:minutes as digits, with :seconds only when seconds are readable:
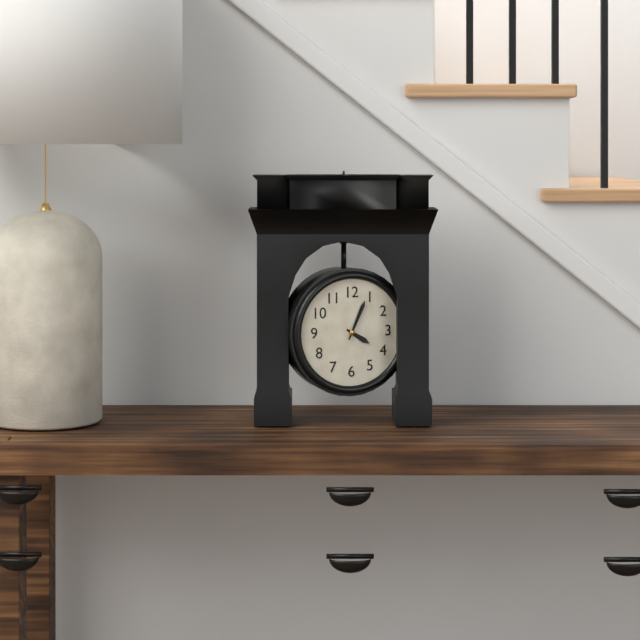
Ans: 4:04
